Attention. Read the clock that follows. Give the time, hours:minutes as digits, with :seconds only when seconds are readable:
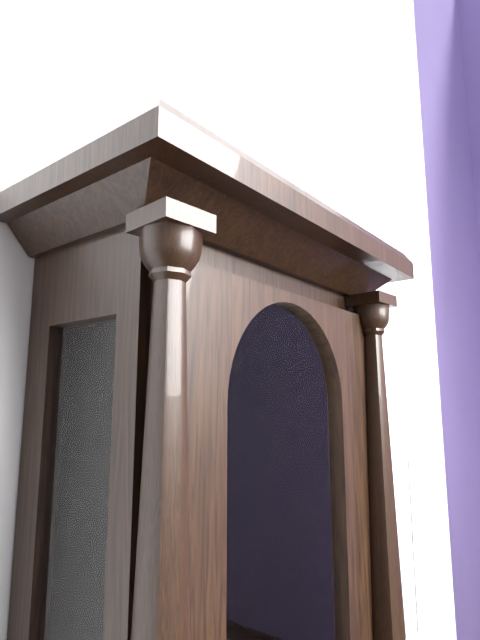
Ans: 9:21
